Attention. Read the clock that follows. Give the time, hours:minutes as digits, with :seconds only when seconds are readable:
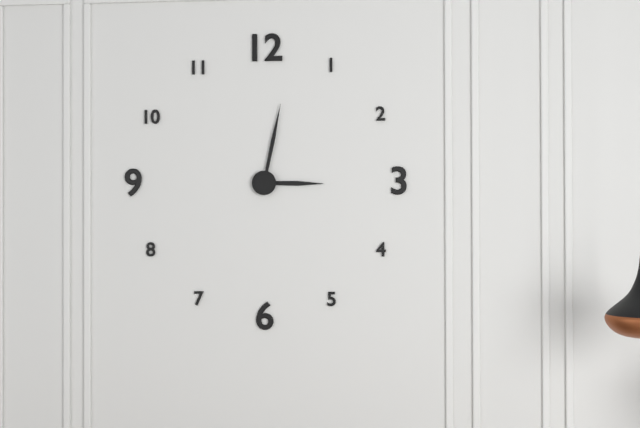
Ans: 3:02
